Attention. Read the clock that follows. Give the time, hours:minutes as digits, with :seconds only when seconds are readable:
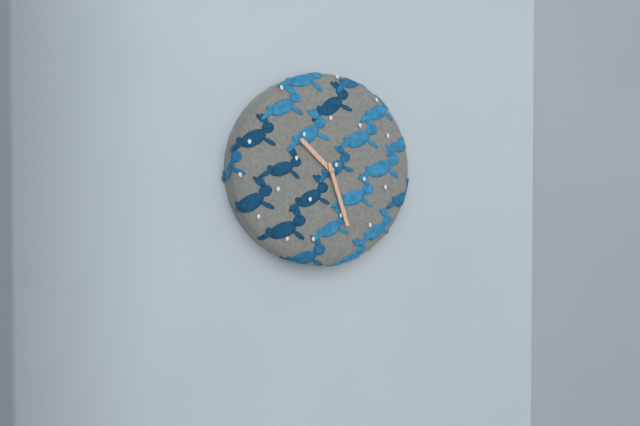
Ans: 10:27
